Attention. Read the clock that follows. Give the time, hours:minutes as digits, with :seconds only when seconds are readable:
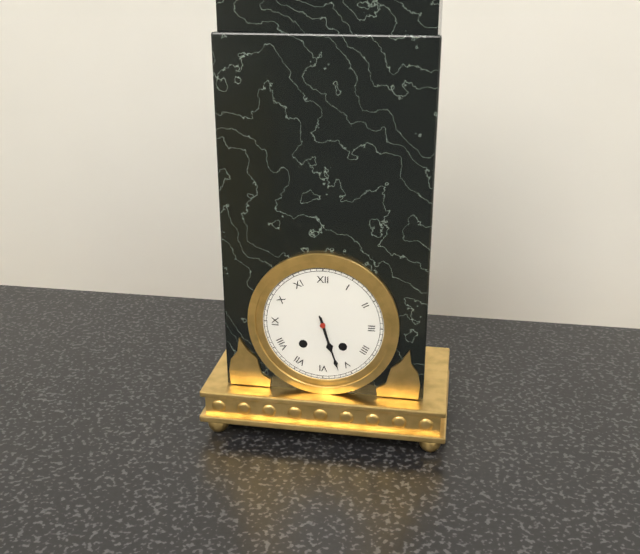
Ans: 5:27
